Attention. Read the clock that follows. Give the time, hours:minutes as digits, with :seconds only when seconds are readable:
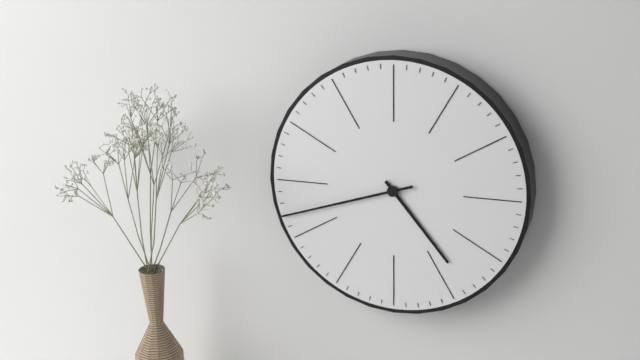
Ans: 4:42
